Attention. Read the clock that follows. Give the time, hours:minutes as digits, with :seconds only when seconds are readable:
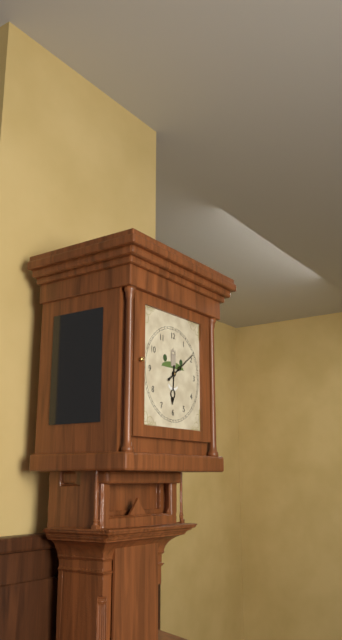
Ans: 6:09
